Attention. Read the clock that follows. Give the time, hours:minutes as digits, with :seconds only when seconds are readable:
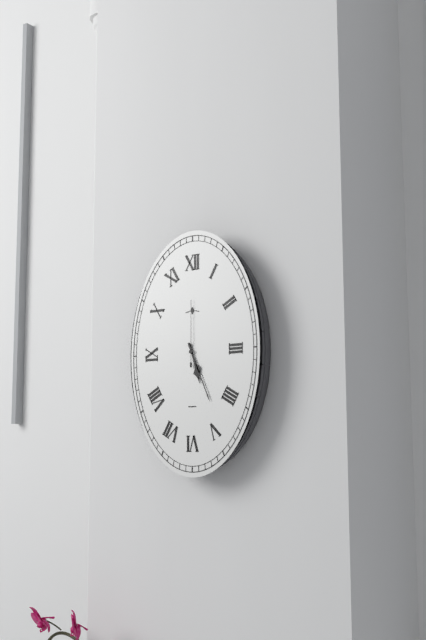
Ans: 5:26:00
